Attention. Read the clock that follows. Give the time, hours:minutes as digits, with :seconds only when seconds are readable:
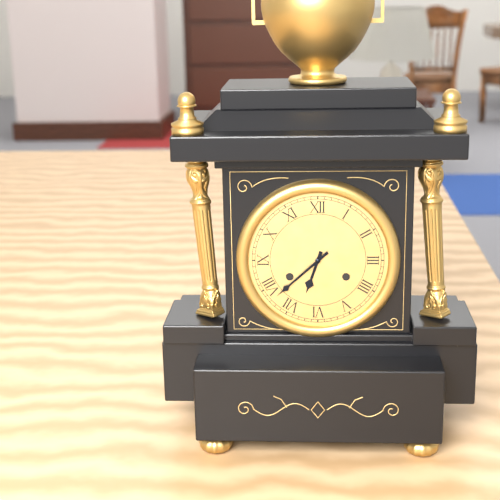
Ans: 6:38
